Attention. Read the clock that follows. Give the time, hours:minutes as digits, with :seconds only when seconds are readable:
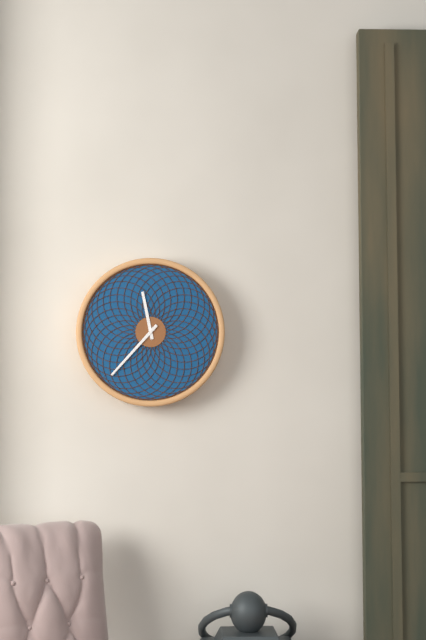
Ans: 11:37
